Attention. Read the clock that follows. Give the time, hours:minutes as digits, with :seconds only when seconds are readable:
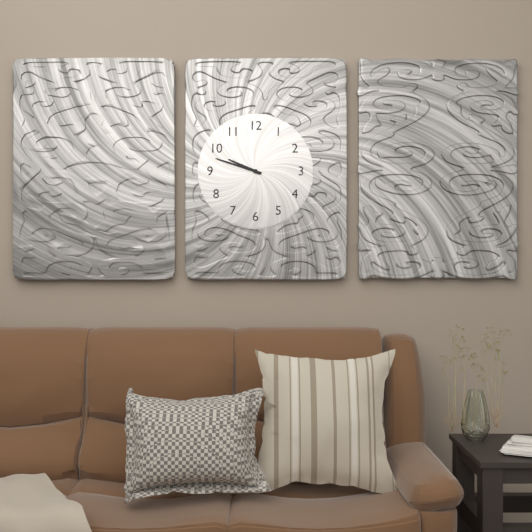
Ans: 9:48
